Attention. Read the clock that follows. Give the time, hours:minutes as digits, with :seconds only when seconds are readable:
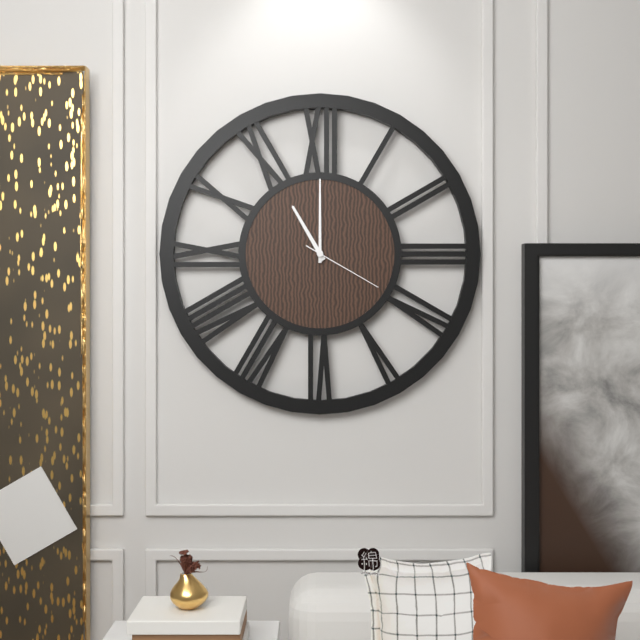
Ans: 11:00:20
